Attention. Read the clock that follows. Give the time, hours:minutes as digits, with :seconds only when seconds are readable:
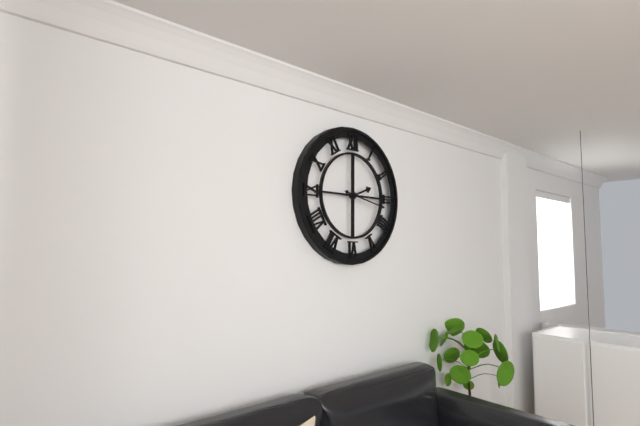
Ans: 2:17
